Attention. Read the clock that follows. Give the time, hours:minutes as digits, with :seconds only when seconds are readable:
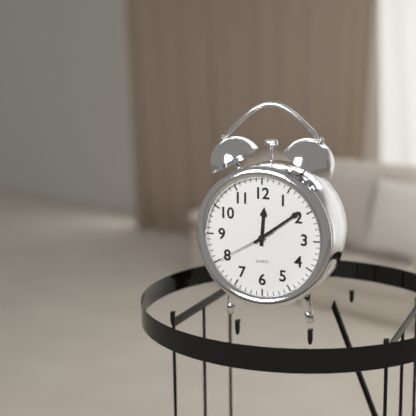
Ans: 12:09:40
